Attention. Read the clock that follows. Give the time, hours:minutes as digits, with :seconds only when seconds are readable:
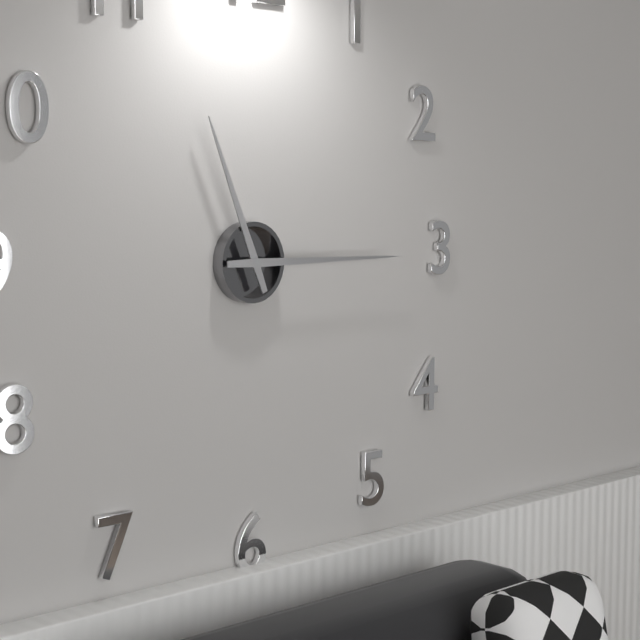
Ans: 11:15
